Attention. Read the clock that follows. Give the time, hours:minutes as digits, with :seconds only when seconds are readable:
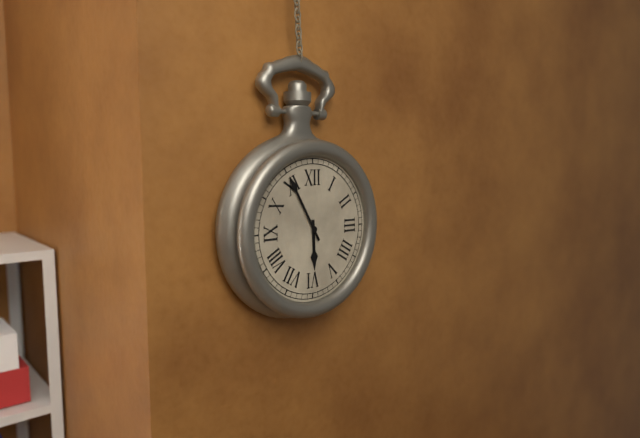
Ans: 5:55
